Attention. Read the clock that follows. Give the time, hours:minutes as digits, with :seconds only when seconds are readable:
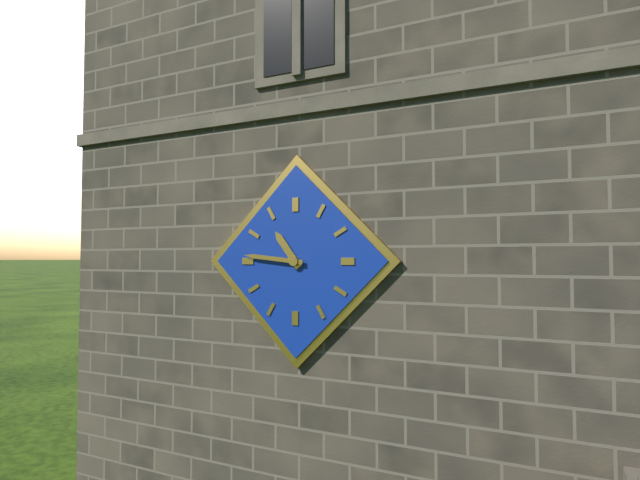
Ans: 10:46
